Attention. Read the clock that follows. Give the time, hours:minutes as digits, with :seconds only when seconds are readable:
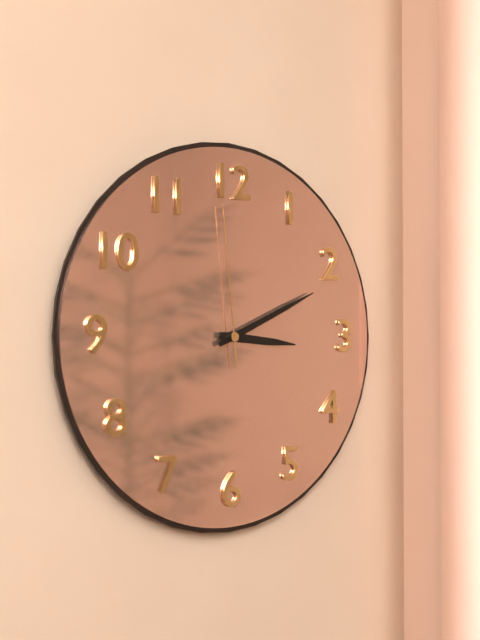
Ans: 3:11:59
